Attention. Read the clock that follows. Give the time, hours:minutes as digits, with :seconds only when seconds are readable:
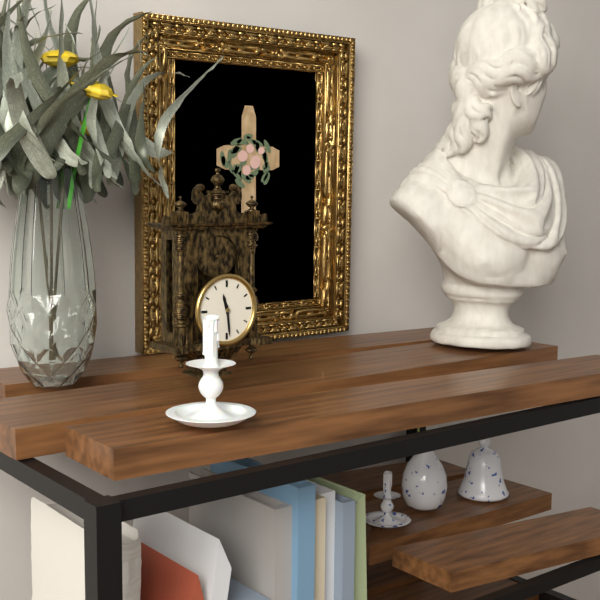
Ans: 11:29
